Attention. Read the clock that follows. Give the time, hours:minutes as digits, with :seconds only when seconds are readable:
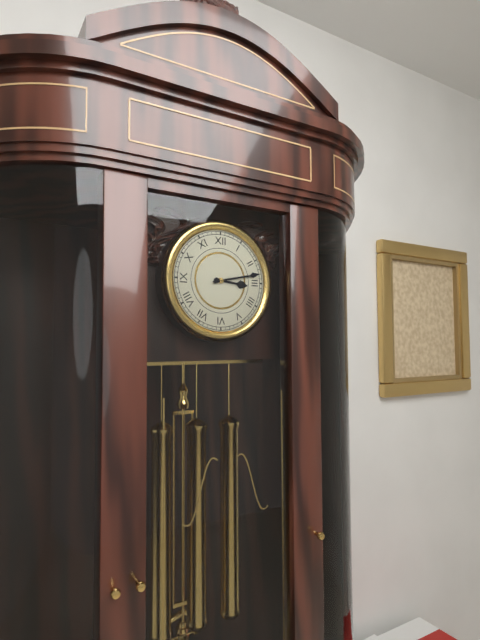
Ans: 3:13
